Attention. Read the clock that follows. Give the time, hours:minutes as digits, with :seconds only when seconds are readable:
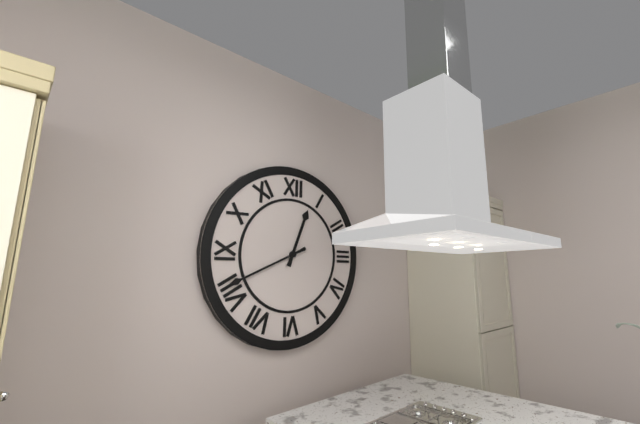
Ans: 12:41
